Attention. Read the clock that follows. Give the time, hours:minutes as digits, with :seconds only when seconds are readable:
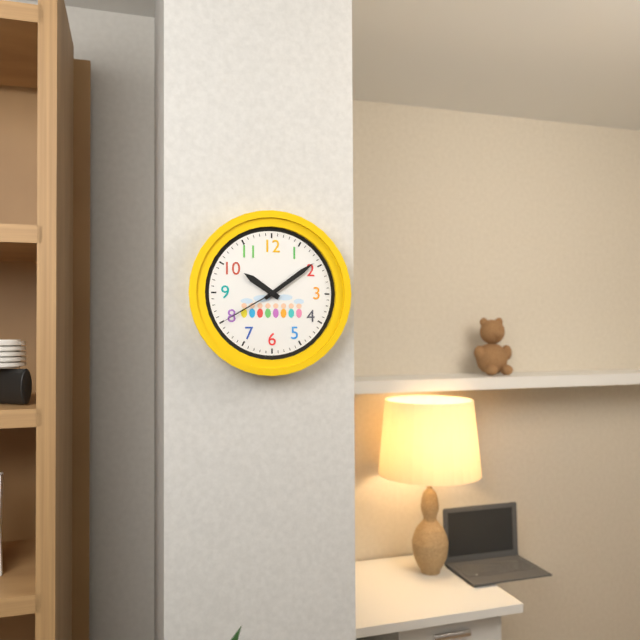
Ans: 10:09:40
